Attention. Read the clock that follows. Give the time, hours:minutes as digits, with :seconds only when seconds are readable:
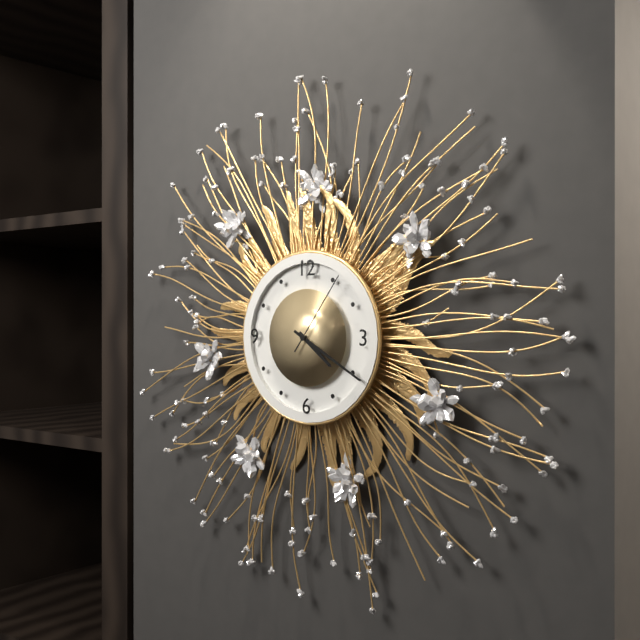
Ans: 4:20:06
